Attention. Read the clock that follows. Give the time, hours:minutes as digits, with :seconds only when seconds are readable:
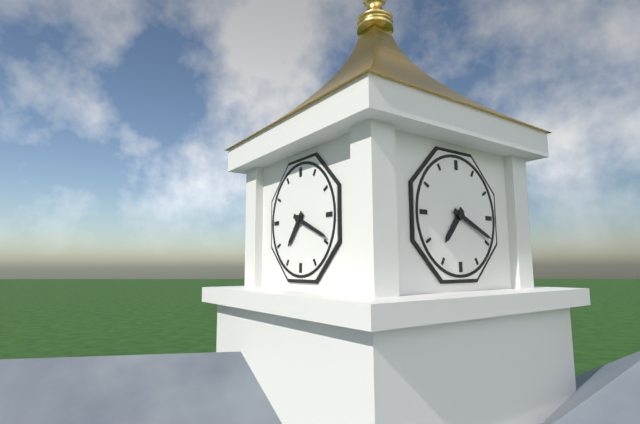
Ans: 7:19
